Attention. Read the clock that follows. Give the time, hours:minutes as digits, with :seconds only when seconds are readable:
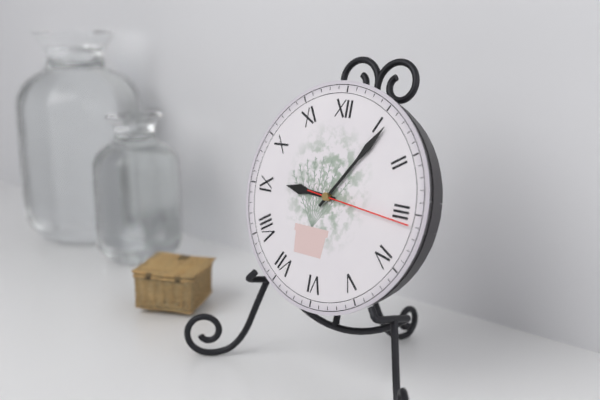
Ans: 9:06:16
